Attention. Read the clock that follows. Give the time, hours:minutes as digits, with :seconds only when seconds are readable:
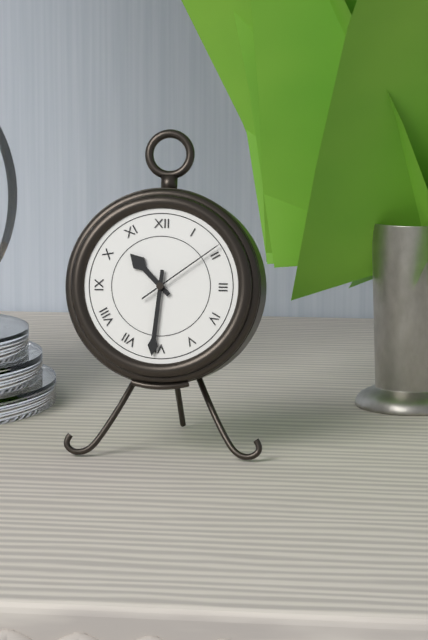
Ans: 10:31:09
